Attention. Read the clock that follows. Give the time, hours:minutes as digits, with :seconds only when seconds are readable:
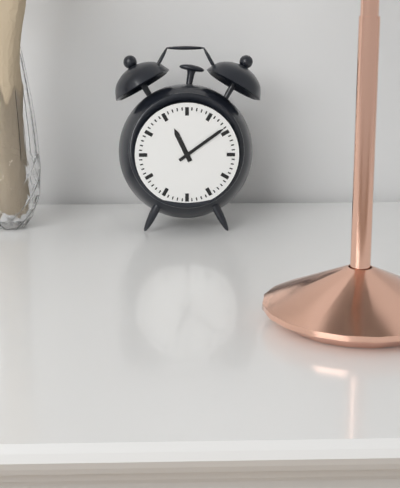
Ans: 11:09
